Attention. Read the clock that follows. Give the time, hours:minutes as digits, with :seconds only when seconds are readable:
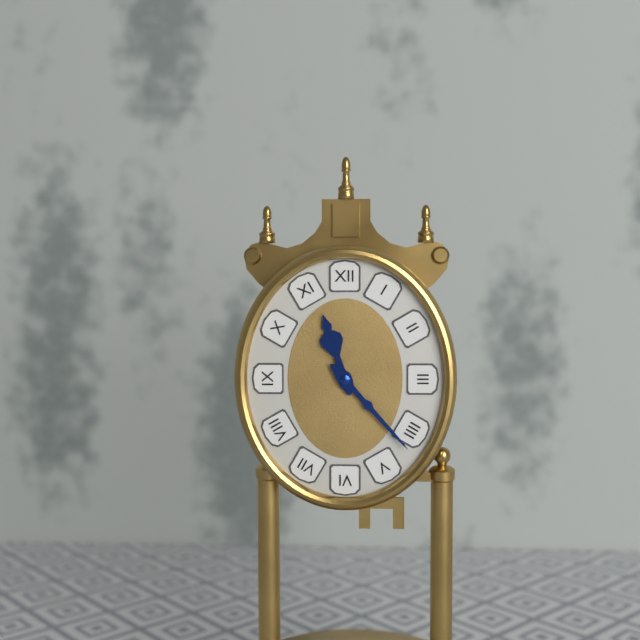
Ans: 11:23
